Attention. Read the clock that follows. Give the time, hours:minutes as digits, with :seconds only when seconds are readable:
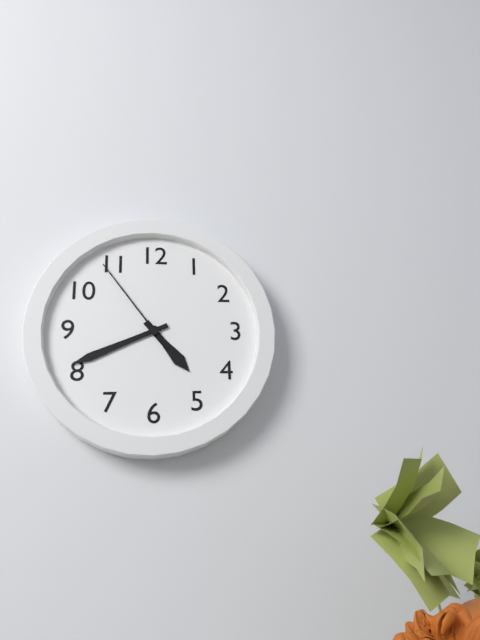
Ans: 4:41:54
